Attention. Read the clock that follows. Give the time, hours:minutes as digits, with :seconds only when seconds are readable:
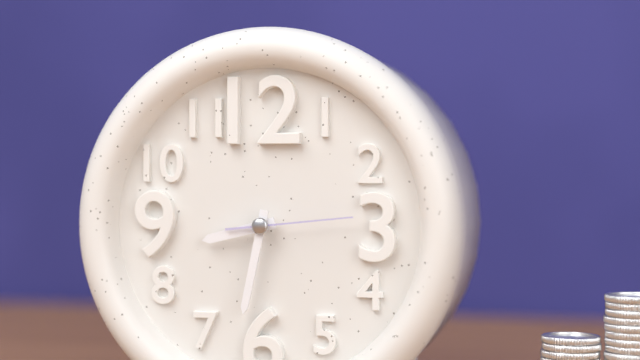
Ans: 8:32:14
